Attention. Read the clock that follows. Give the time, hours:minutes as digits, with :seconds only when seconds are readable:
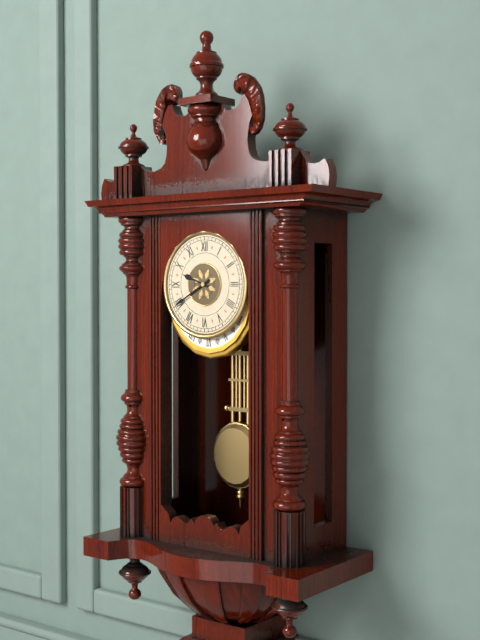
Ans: 9:40
